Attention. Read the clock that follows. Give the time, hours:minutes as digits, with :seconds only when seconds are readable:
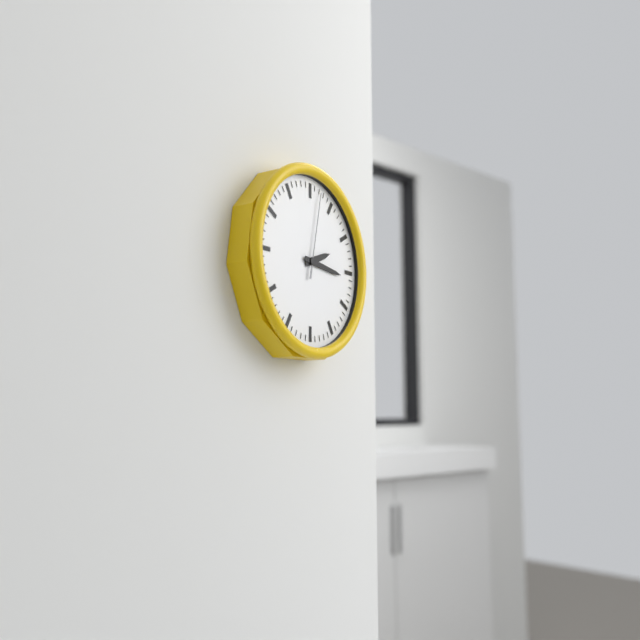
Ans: 2:16:02
